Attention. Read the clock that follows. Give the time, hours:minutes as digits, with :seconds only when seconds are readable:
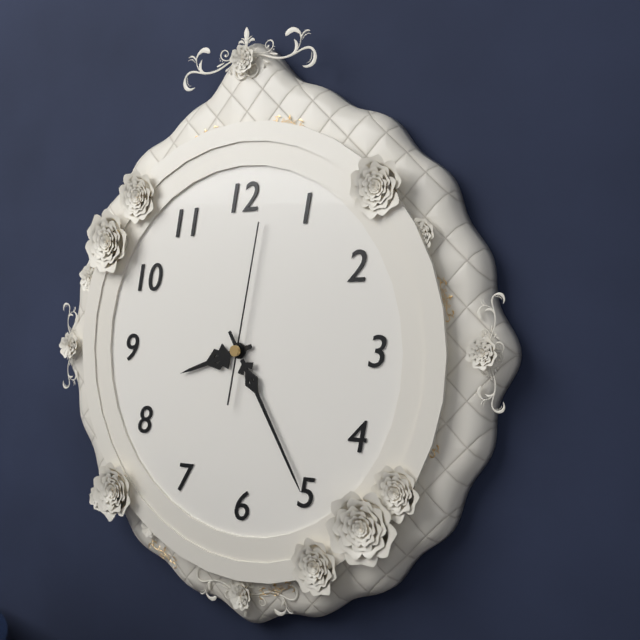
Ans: 8:25:02
